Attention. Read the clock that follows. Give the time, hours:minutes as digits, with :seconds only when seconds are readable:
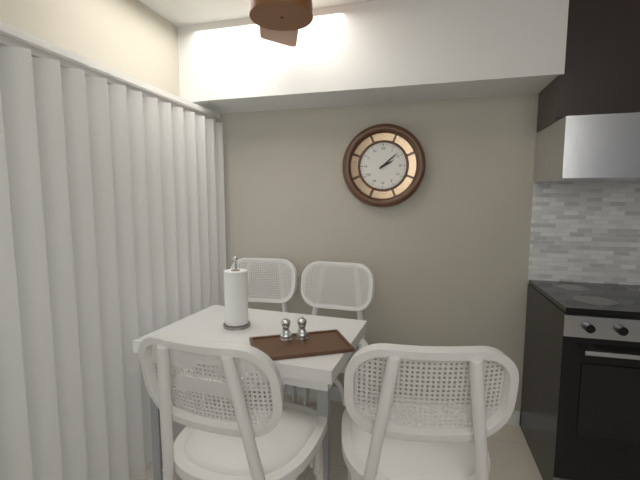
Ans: 2:08
